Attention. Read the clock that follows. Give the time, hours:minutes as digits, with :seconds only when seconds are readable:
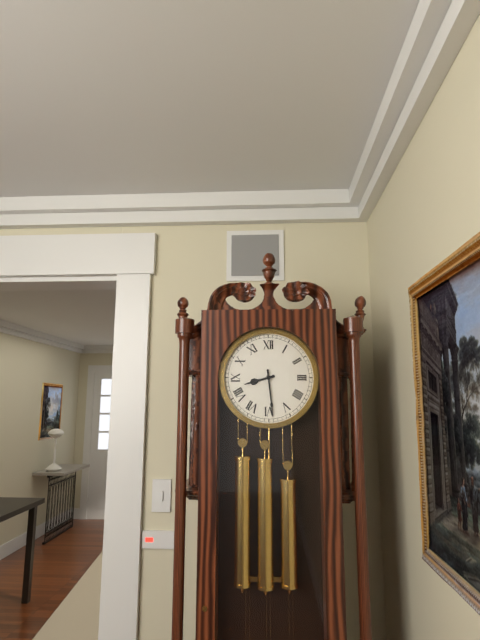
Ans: 8:29
